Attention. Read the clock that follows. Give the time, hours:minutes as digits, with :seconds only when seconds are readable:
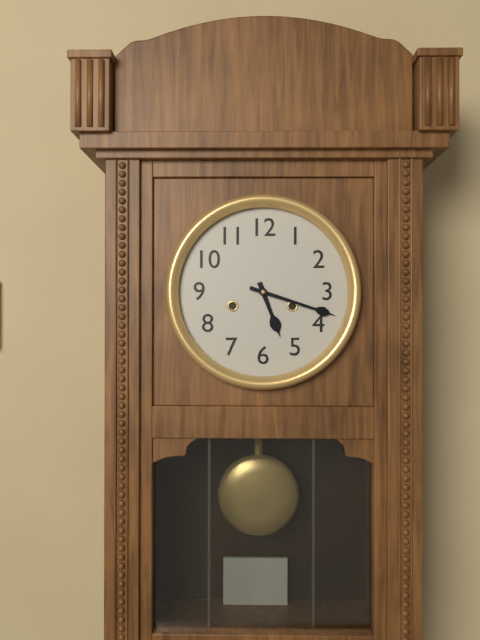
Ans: 5:18
